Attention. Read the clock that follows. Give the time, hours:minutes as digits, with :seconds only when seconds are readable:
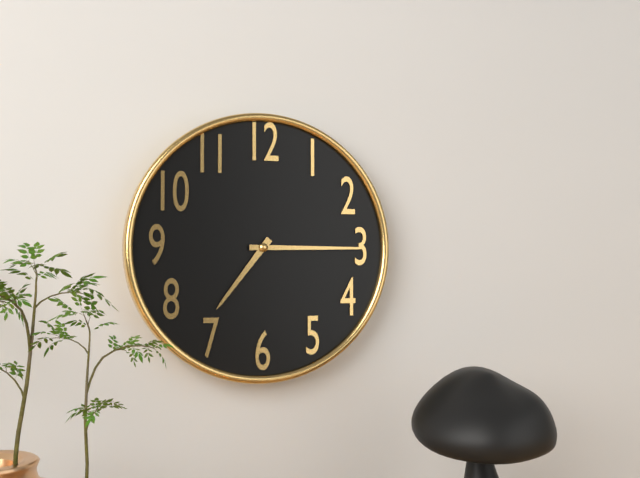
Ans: 7:15
